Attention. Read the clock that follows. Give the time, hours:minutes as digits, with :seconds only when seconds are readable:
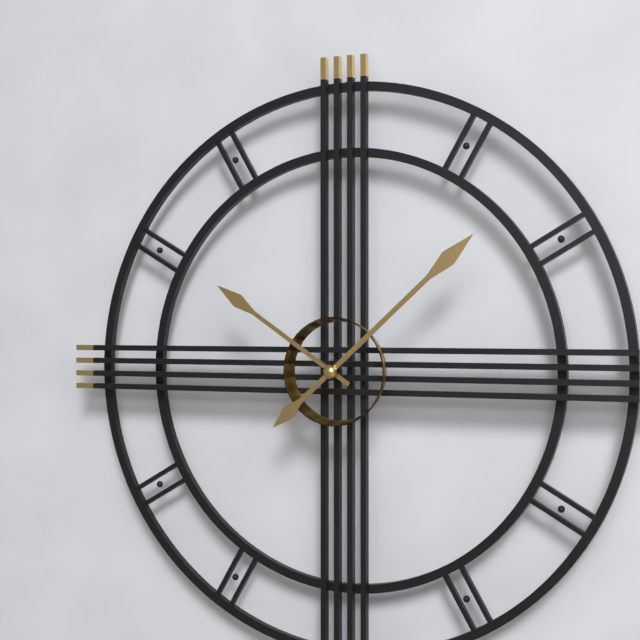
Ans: 10:08
